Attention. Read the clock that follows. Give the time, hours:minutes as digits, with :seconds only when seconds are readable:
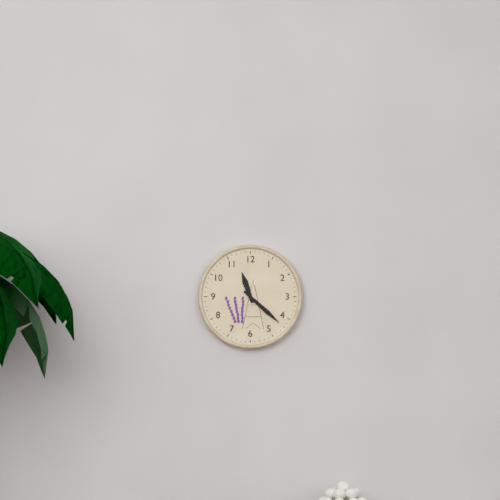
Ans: 11:22
